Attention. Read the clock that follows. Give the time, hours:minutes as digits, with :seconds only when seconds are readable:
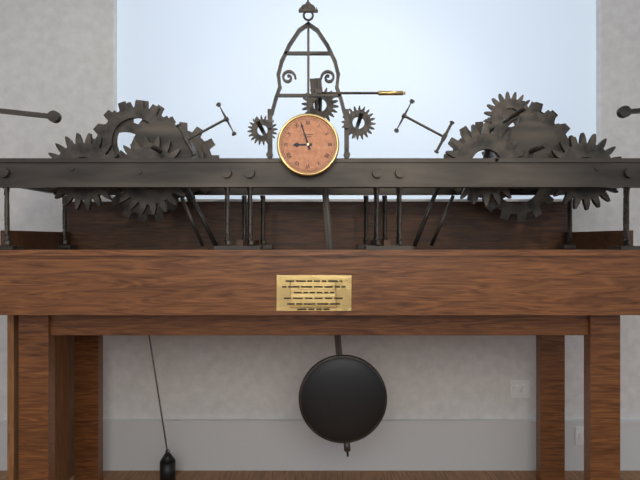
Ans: 8:57
